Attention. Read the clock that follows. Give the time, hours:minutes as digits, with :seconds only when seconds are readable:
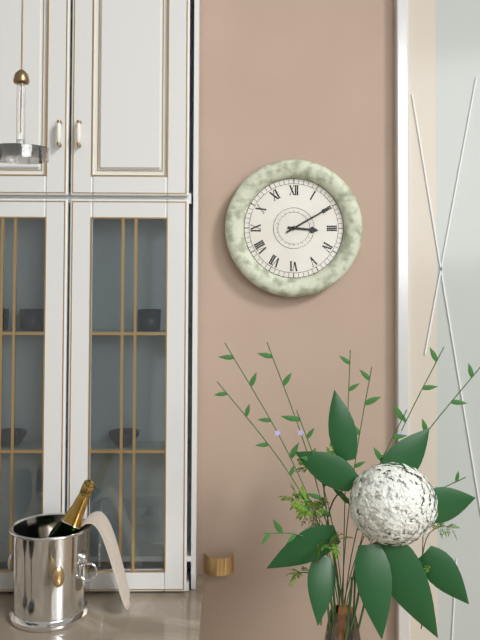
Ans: 3:10
